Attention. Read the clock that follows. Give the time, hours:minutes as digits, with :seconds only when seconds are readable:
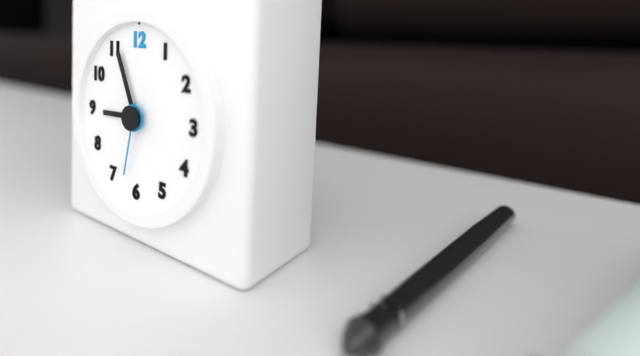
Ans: 8:56:32
